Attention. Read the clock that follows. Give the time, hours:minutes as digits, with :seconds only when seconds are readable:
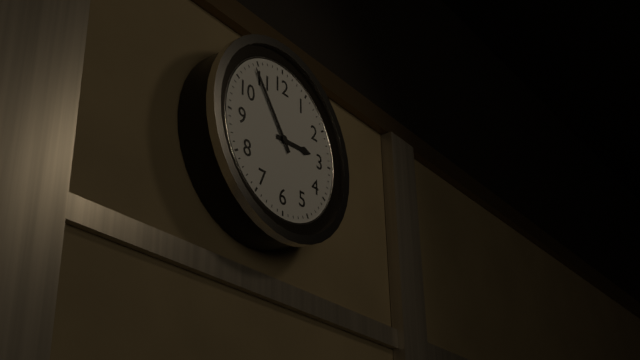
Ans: 2:54
